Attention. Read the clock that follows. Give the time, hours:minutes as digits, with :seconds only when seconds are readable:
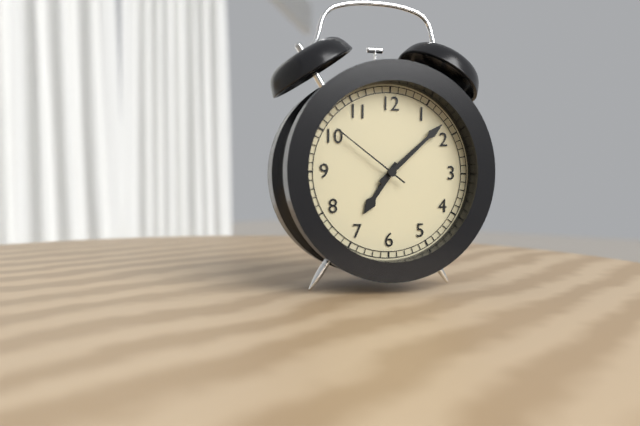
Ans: 7:08:51
